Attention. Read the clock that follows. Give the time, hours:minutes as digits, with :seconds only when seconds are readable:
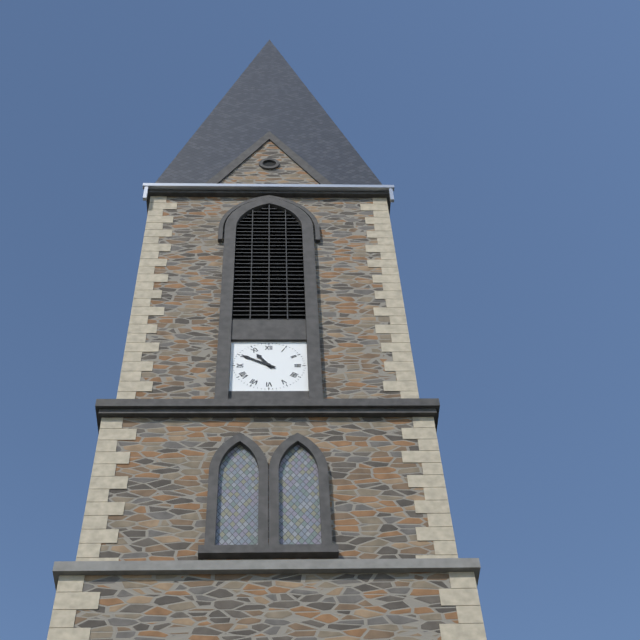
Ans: 10:50
